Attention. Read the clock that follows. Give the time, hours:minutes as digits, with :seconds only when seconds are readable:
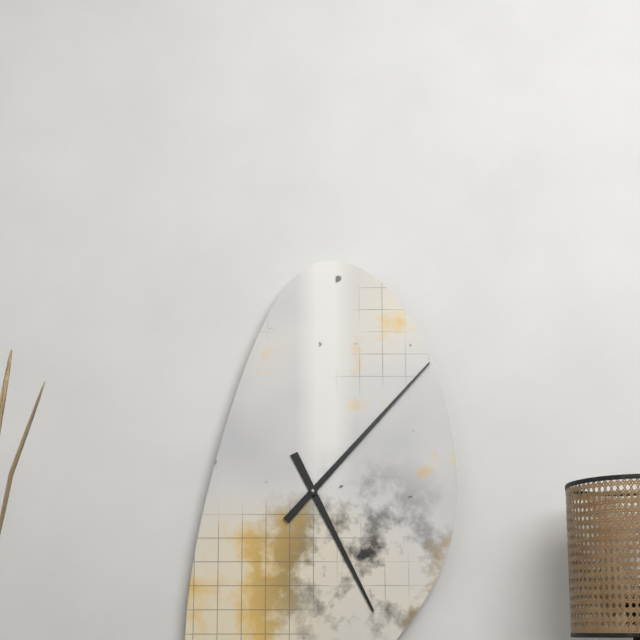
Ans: 5:07
